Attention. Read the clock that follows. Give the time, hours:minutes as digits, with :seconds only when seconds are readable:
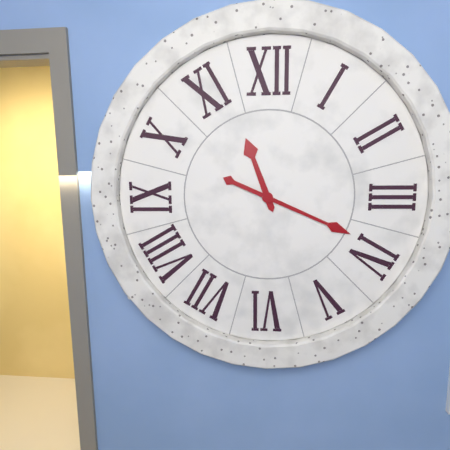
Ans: 11:19
